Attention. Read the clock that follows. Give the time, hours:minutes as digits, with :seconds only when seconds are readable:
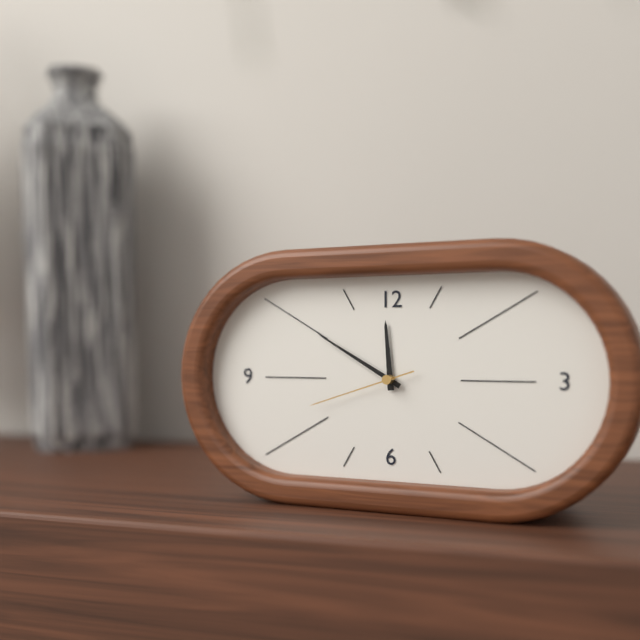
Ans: 11:50:42
